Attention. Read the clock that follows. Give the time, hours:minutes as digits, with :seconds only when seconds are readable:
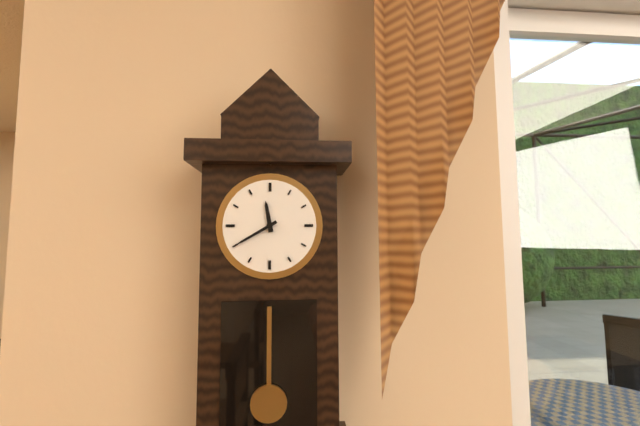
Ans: 11:40
